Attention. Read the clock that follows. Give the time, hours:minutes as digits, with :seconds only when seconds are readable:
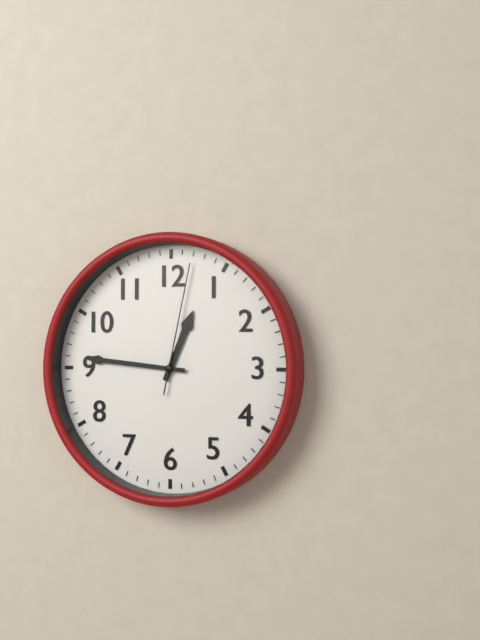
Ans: 12:46:02
